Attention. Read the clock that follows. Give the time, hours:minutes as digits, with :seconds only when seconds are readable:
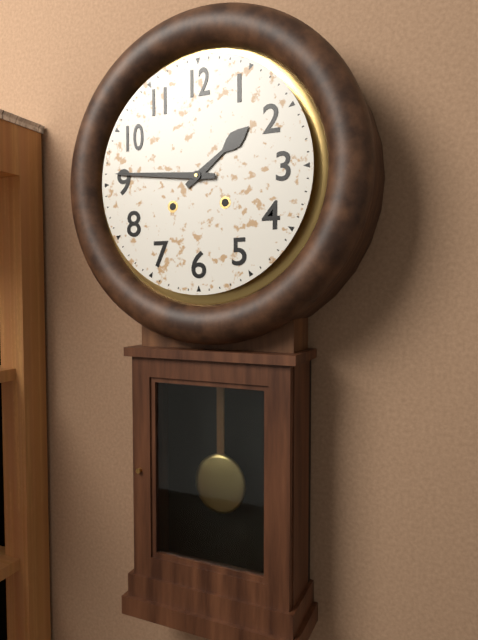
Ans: 1:46
